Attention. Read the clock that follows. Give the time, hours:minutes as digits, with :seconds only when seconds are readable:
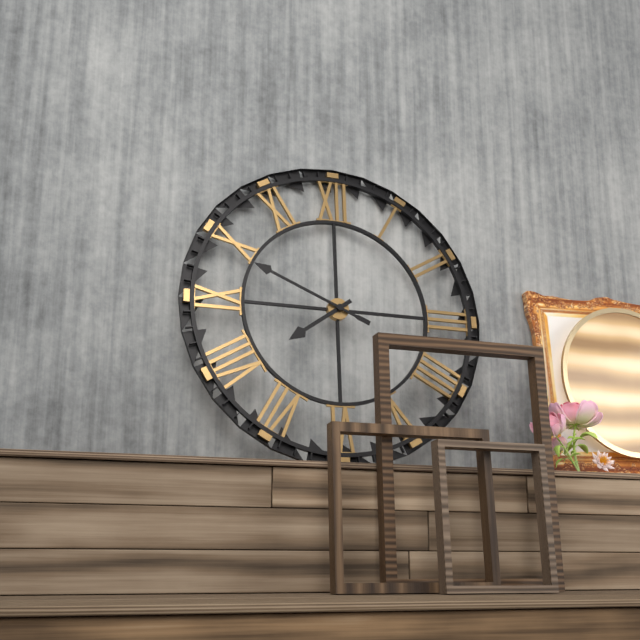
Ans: 7:49
